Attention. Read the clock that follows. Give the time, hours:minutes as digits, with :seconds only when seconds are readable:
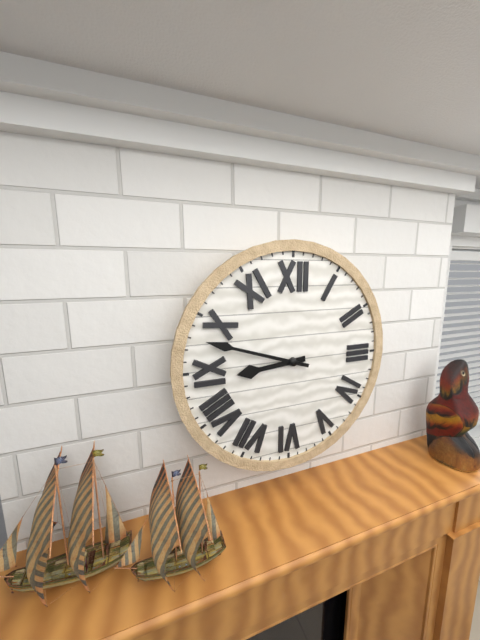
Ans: 8:48
